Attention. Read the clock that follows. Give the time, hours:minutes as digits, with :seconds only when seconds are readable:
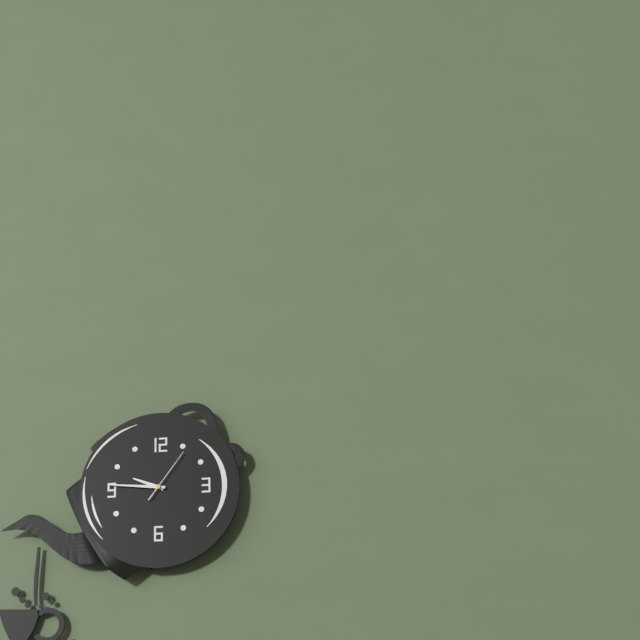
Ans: 9:46:06
